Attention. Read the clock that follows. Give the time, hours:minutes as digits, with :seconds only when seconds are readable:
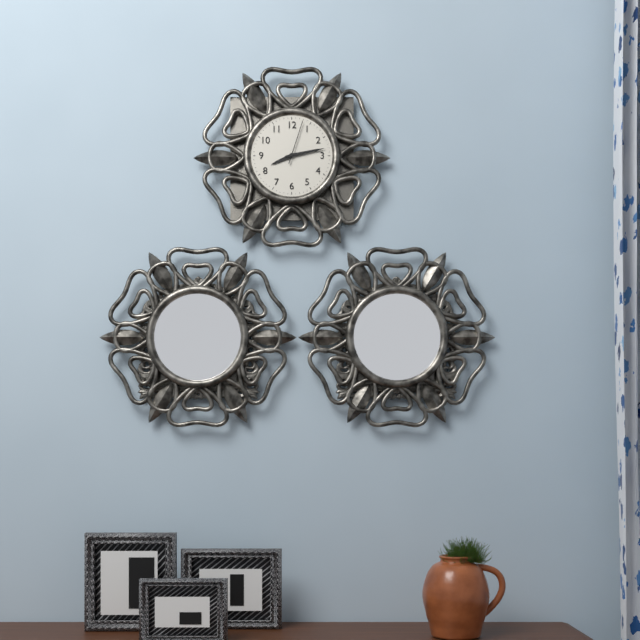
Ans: 8:13
